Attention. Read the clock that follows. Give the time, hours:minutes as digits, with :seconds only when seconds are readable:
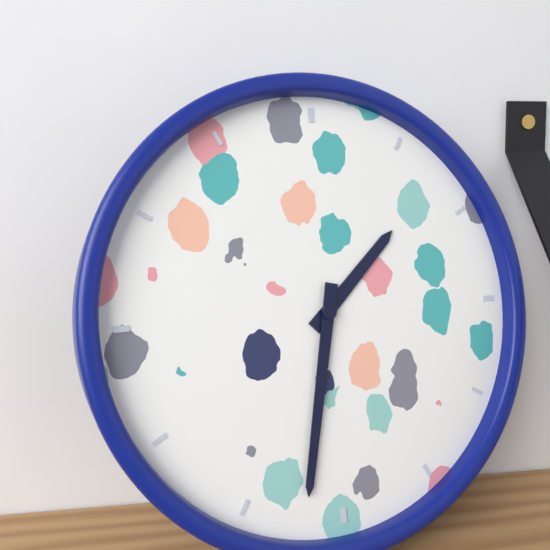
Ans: 1:32
